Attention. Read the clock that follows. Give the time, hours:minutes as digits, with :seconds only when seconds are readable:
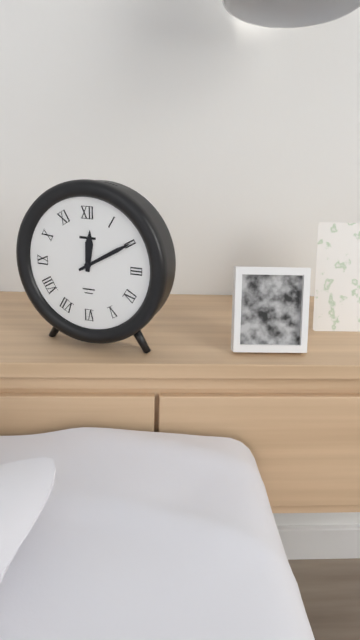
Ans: 12:10
